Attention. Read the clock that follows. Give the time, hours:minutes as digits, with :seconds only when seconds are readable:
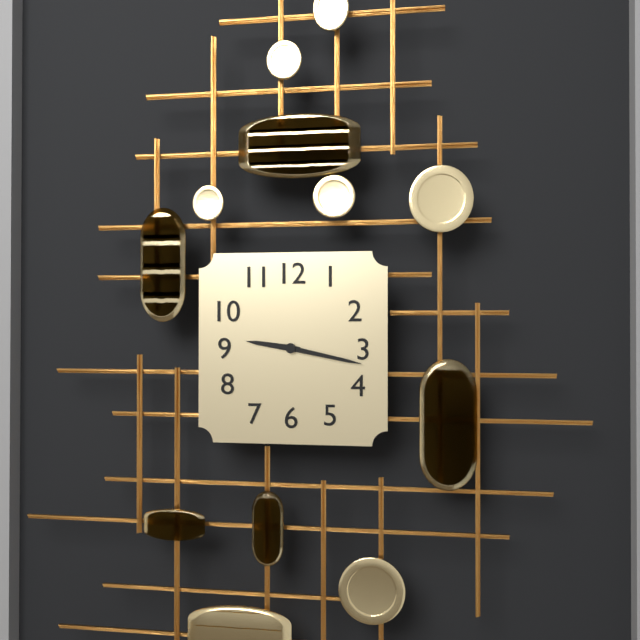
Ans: 9:17
